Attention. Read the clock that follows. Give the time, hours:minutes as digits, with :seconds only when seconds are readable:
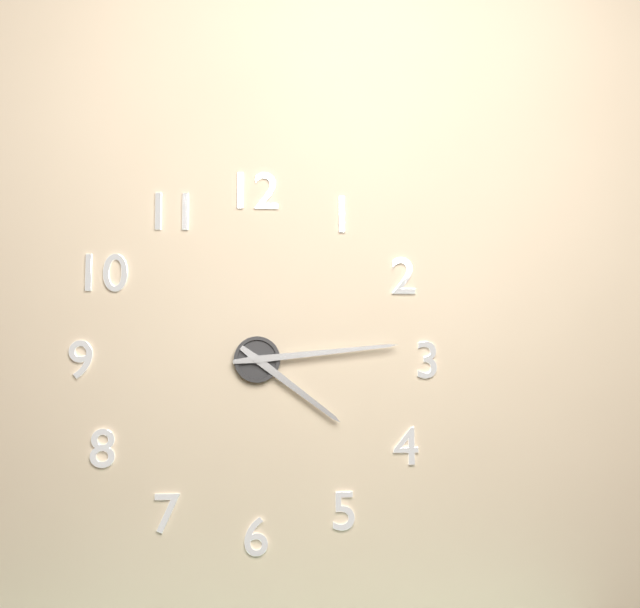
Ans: 4:14
